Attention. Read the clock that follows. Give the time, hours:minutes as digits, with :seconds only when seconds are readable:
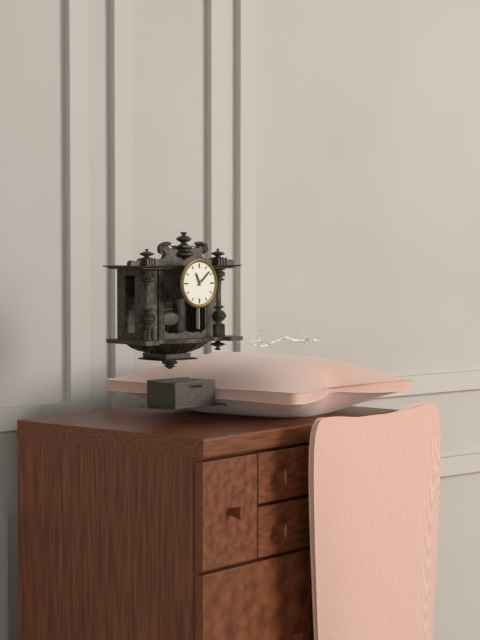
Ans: 11:08
